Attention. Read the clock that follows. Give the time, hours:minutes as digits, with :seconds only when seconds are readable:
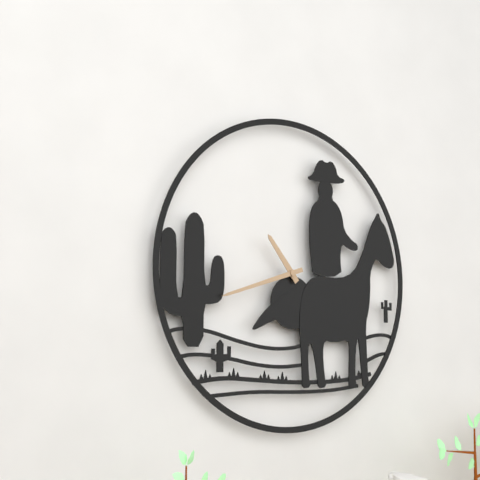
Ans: 10:42
